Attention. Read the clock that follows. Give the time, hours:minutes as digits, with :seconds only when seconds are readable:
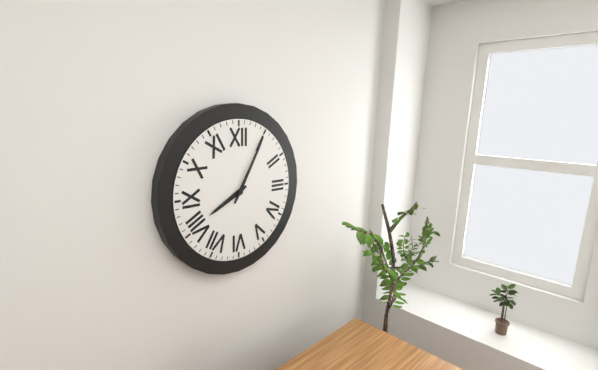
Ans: 8:05
